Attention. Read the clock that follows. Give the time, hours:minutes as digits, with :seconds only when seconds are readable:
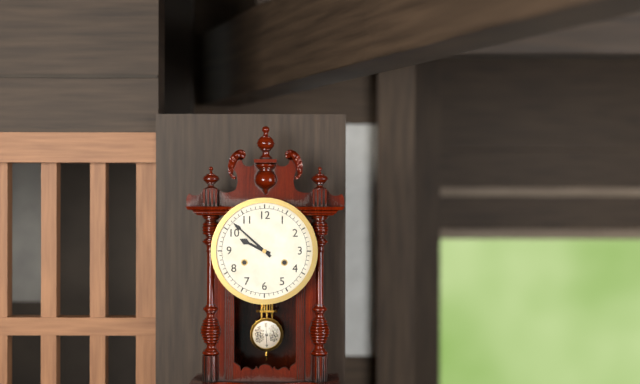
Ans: 9:52
